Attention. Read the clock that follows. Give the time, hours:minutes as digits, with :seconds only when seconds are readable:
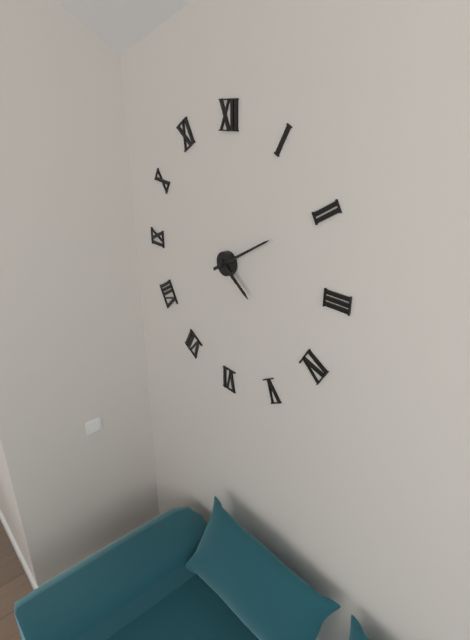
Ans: 4:10
